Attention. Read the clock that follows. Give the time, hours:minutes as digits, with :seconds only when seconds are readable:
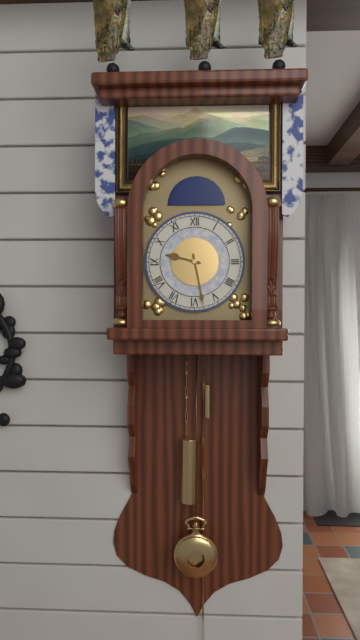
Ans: 9:28
